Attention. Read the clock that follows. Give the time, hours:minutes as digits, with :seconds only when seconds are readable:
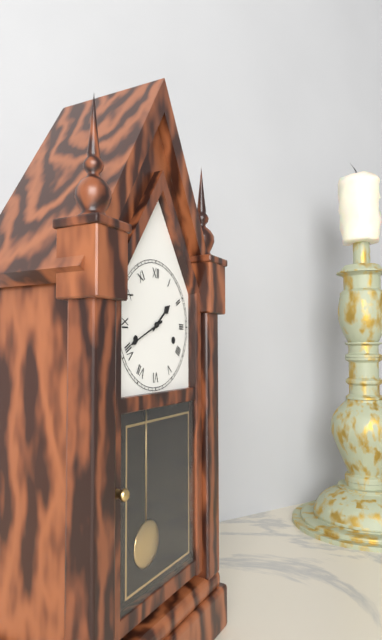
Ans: 1:41
